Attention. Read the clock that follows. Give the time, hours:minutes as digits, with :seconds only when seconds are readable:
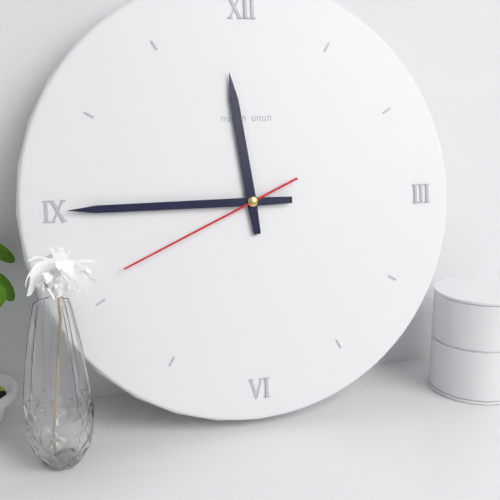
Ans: 11:45:41
